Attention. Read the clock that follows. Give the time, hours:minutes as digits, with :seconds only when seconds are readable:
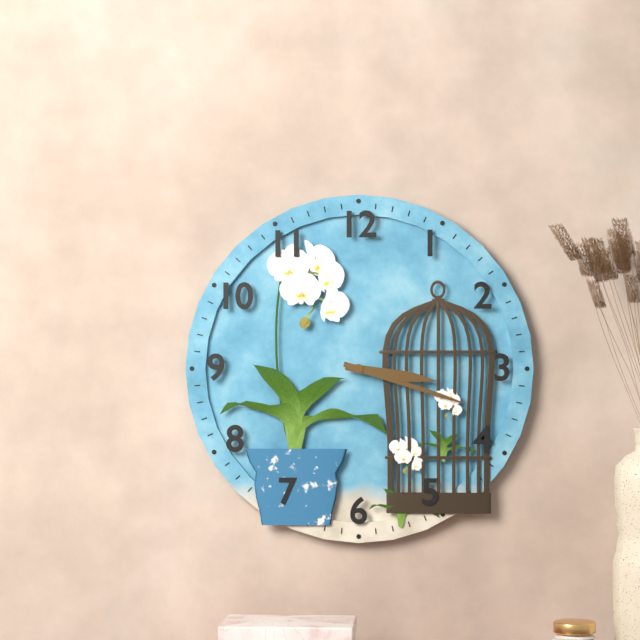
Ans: 3:18
